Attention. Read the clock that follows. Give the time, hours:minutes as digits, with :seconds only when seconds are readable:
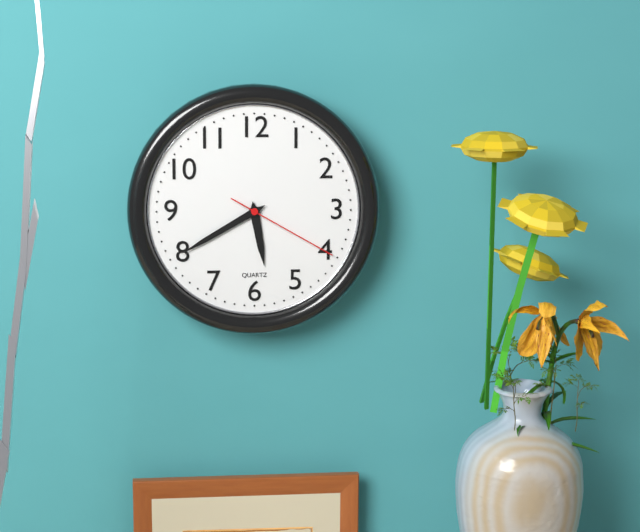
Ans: 5:40:20
